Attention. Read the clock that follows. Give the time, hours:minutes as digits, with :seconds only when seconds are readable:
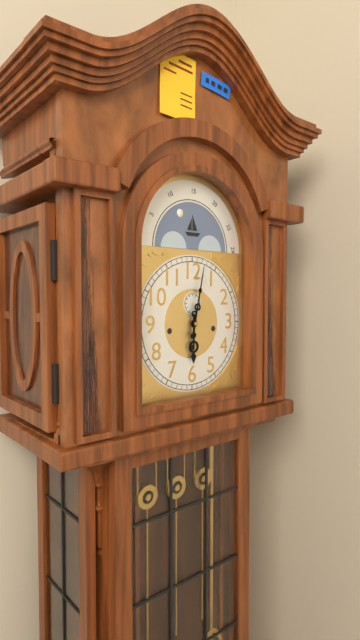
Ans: 6:02
